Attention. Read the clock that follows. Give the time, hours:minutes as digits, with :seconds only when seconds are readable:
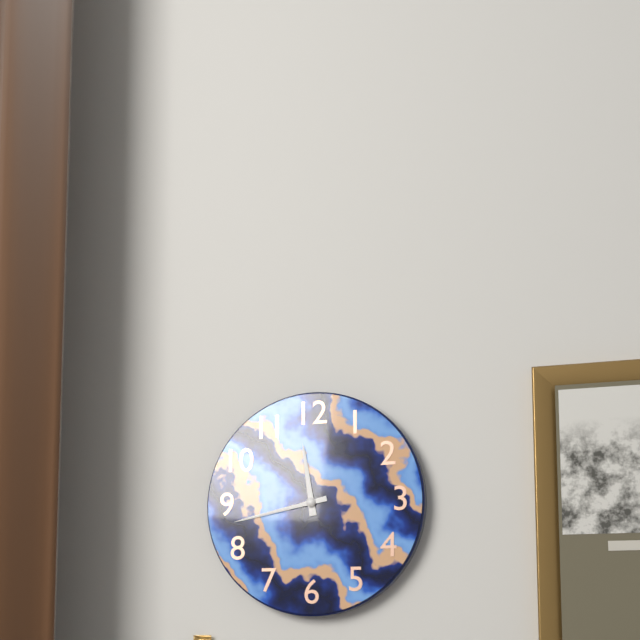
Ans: 11:43
